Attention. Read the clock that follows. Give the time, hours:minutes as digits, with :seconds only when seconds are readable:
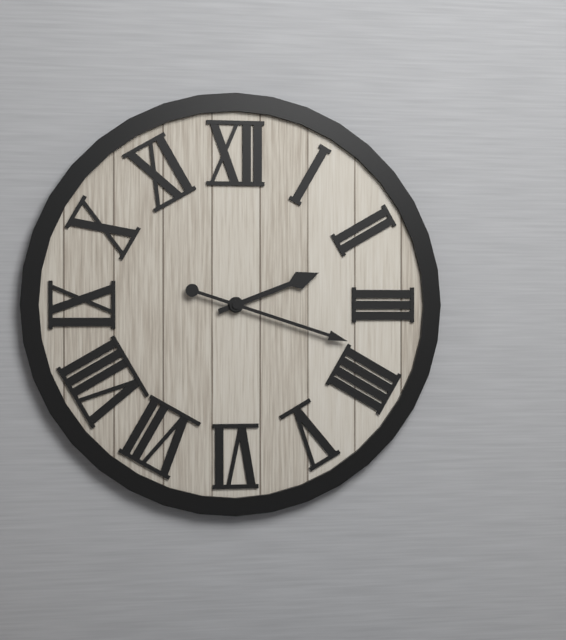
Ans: 2:18
